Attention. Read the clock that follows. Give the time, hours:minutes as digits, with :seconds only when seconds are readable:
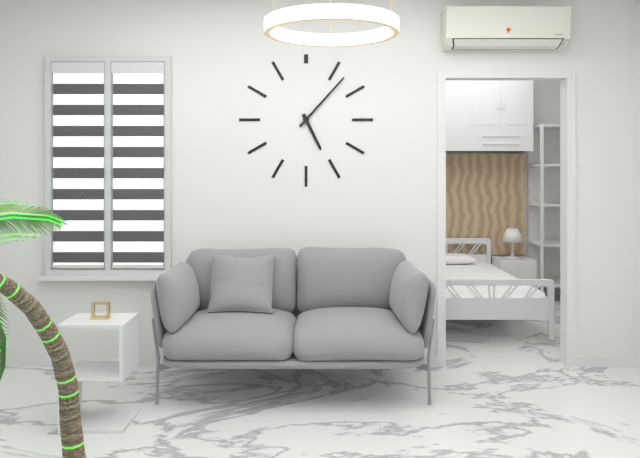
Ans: 5:07
